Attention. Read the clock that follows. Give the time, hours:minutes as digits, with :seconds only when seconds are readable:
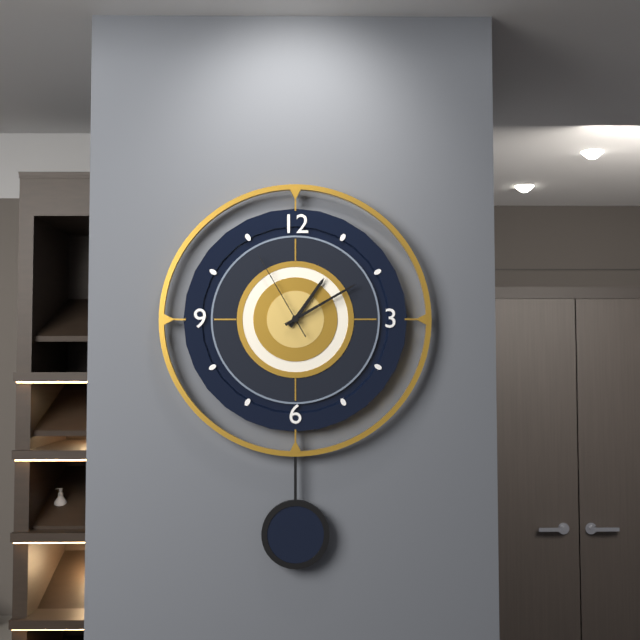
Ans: 1:10:55
